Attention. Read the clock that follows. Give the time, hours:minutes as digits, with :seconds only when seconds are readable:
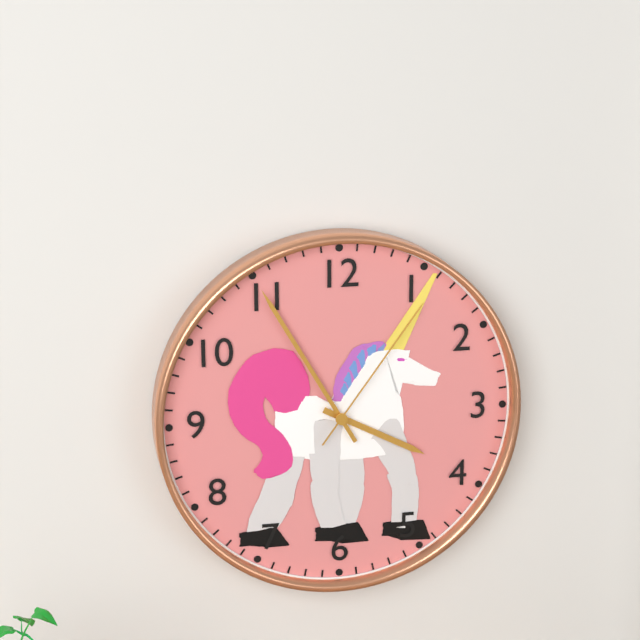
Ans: 3:55:06
